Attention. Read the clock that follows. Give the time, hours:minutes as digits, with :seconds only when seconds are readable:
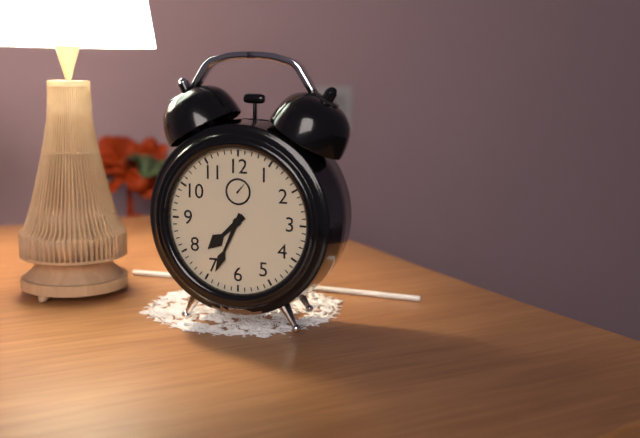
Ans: 7:34
